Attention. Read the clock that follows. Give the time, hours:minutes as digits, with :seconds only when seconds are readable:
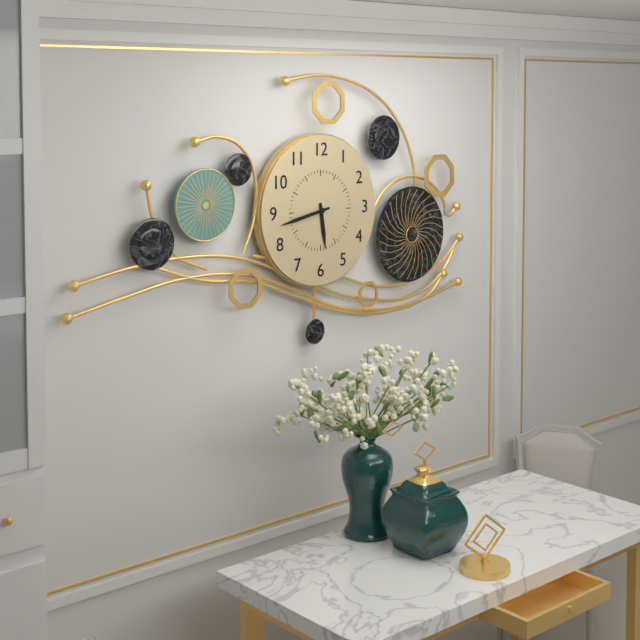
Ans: 5:43
